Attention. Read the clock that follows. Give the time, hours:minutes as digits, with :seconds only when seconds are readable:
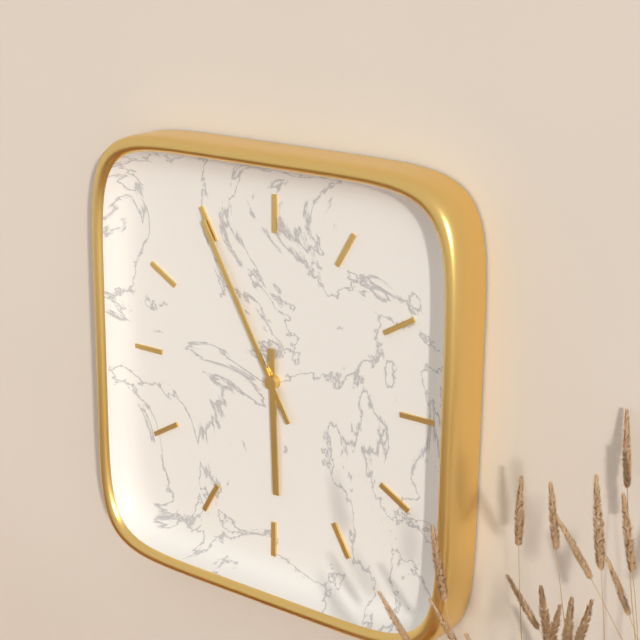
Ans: 5:55
